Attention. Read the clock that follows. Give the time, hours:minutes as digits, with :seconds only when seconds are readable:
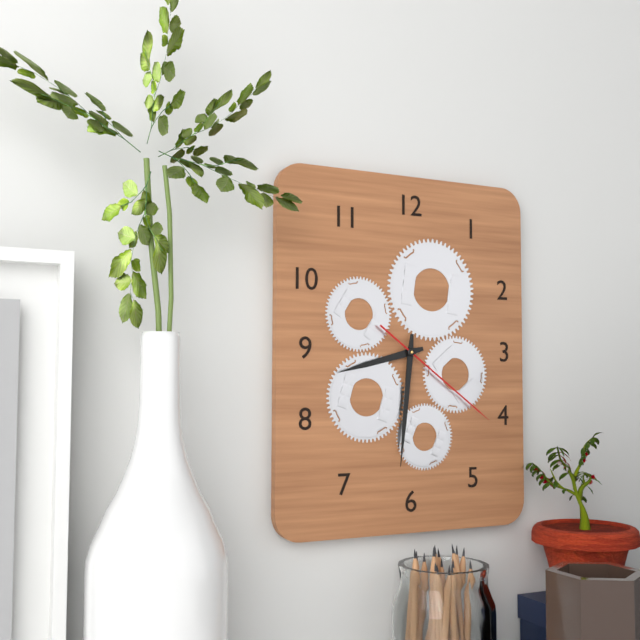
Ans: 8:31:21
